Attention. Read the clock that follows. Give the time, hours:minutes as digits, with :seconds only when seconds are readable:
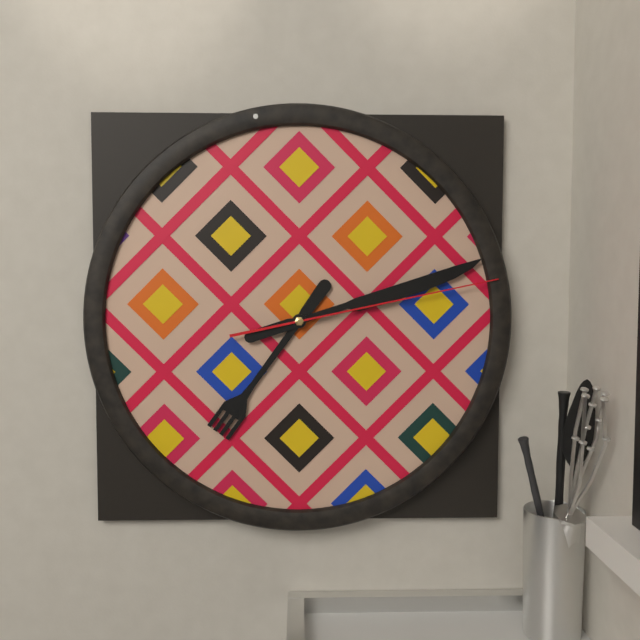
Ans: 7:12:13
